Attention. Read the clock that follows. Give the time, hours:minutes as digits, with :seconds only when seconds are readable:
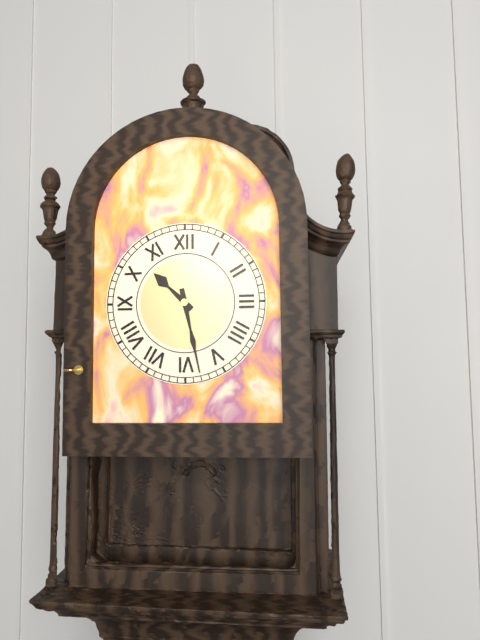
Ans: 10:28
